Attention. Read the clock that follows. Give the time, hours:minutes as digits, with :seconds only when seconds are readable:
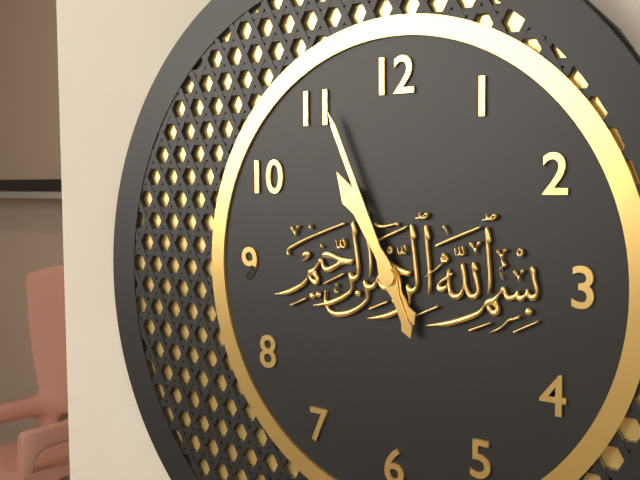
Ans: 10:56
